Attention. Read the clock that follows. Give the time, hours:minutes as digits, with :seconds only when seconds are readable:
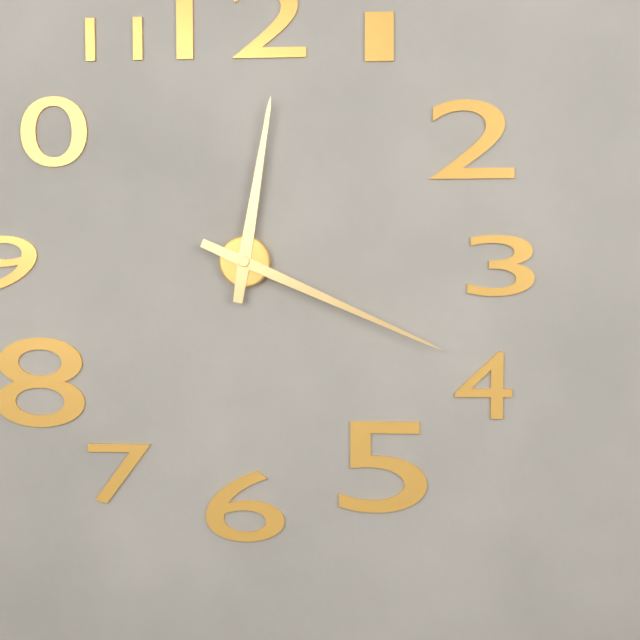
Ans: 12:19
